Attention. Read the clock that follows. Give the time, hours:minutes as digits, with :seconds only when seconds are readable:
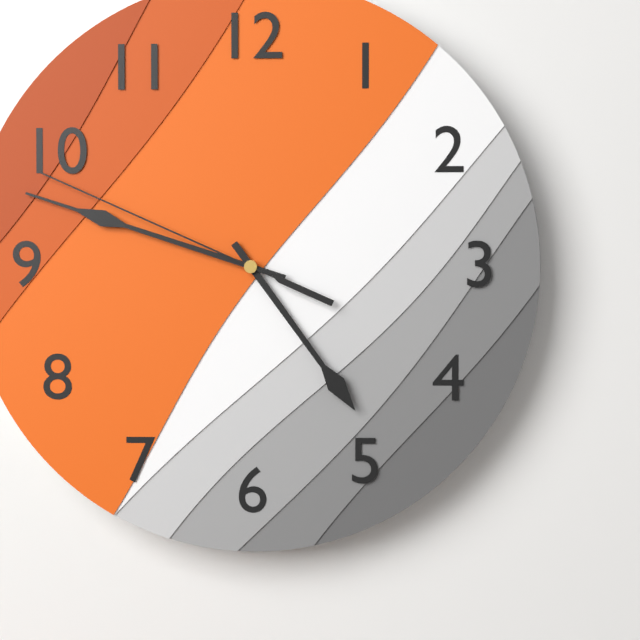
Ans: 4:48:49
